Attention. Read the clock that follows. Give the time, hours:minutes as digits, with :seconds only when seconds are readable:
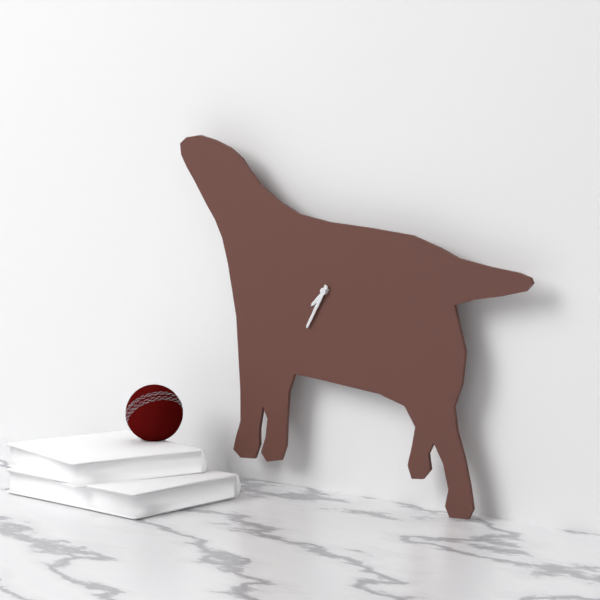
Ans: 7:35
